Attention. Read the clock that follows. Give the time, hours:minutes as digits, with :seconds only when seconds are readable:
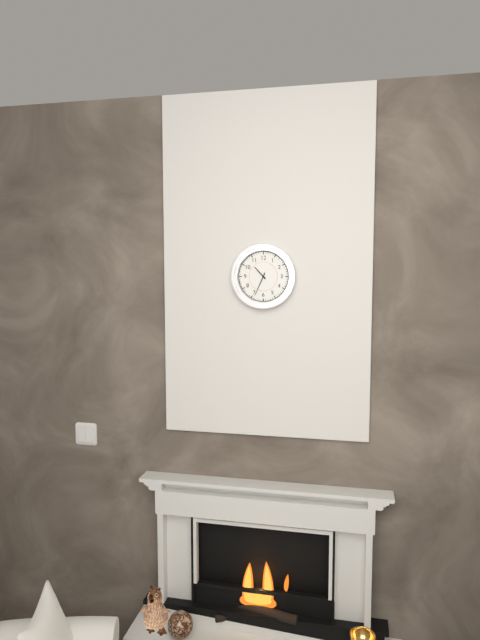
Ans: 10:34
